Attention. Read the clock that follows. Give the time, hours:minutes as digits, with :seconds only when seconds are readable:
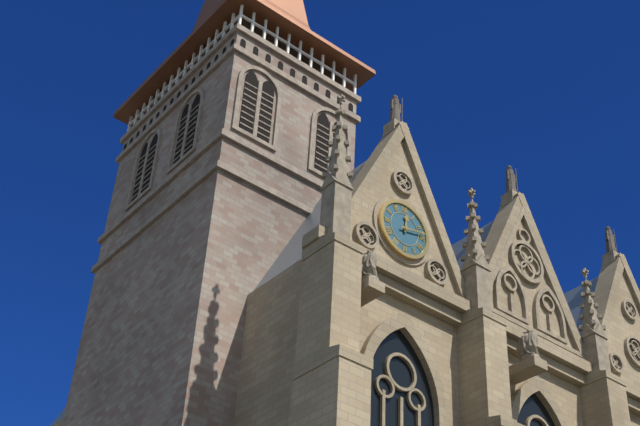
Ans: 12:13
